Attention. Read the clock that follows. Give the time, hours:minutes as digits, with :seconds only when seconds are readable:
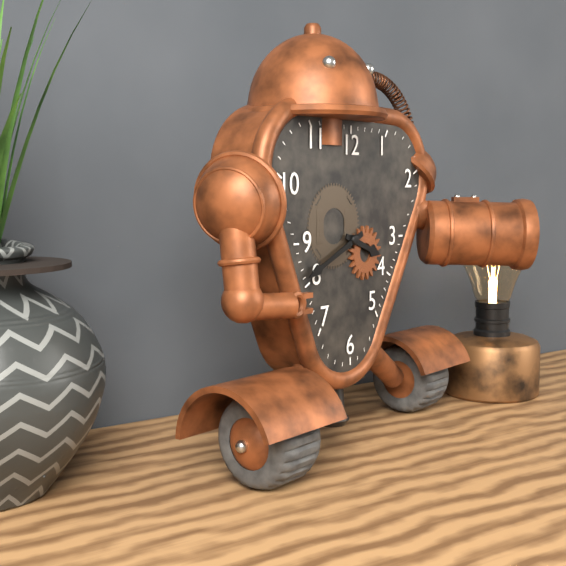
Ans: 3:41
